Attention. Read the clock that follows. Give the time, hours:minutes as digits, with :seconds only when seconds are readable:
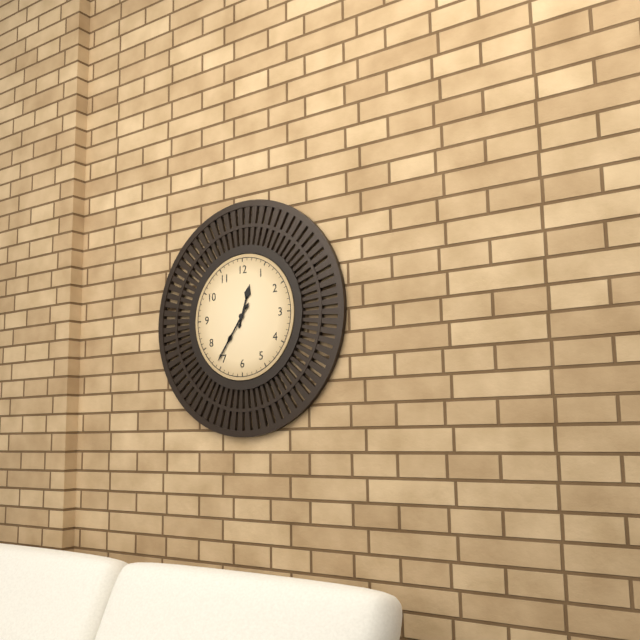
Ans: 12:36
